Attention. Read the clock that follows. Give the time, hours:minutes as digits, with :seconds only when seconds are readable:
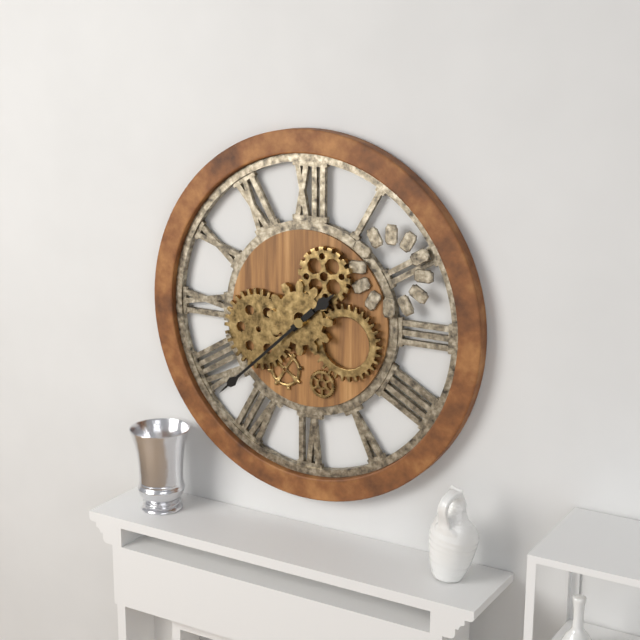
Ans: 1:38
